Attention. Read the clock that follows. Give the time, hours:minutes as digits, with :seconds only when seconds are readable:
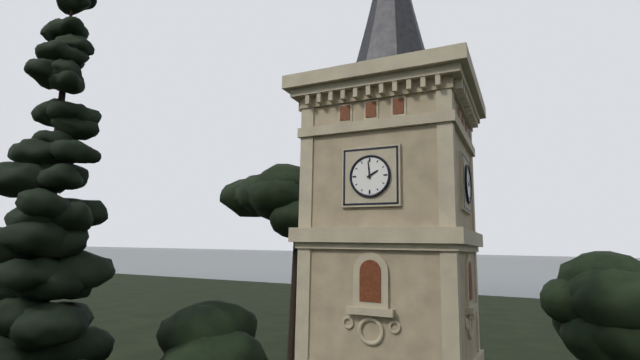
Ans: 1:59
